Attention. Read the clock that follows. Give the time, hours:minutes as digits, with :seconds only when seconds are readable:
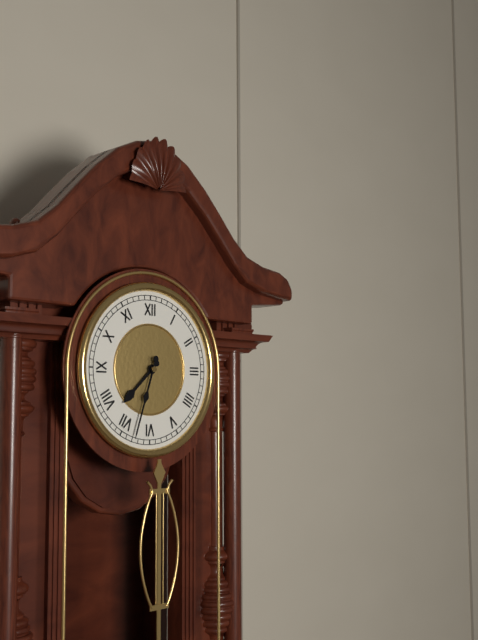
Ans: 7:33
